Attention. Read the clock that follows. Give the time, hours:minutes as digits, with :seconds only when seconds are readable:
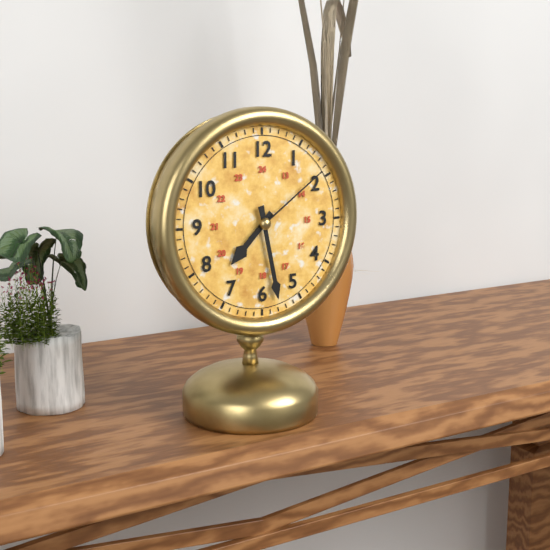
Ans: 7:28:09
